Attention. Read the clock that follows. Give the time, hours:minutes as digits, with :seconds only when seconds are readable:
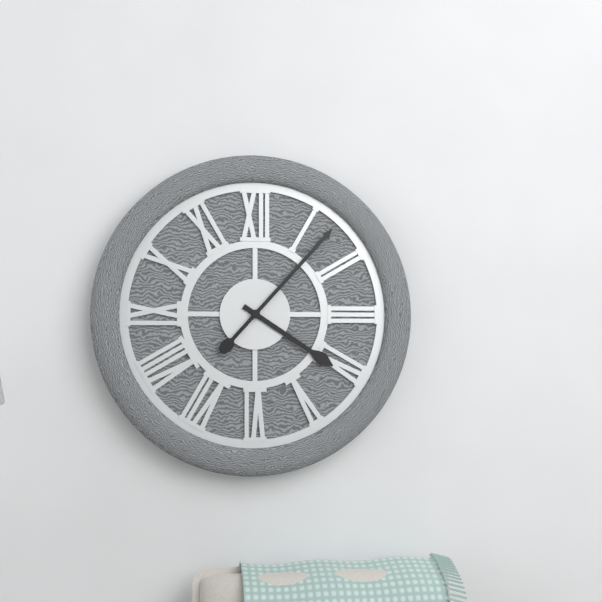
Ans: 4:07
